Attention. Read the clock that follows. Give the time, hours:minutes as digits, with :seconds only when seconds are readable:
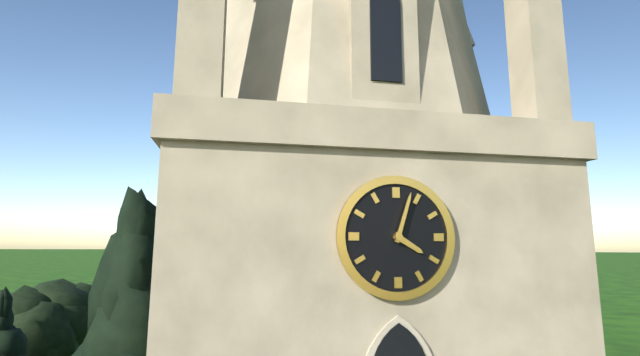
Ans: 4:03
